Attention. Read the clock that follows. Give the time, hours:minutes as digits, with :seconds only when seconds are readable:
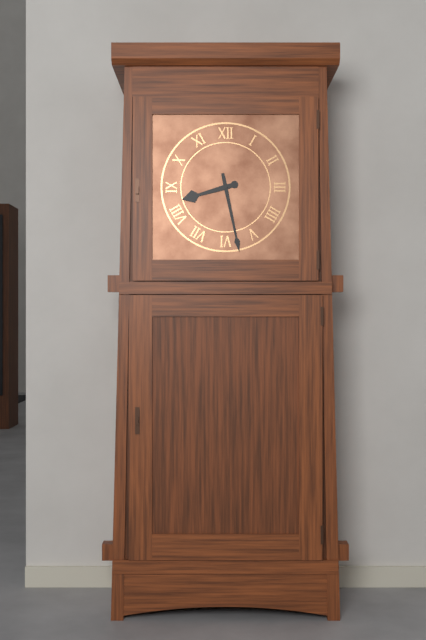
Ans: 8:28
